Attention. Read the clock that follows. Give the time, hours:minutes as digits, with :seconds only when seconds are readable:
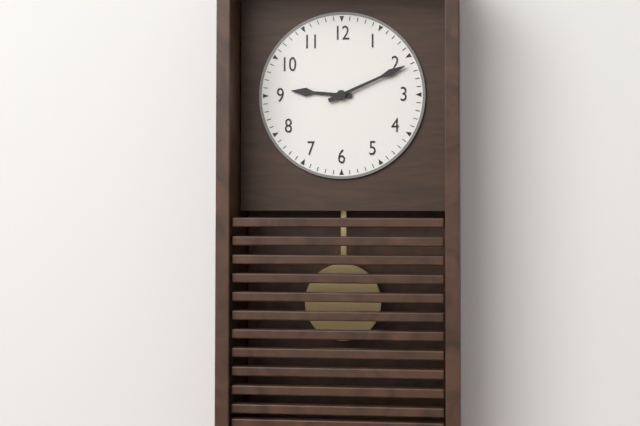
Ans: 9:11
